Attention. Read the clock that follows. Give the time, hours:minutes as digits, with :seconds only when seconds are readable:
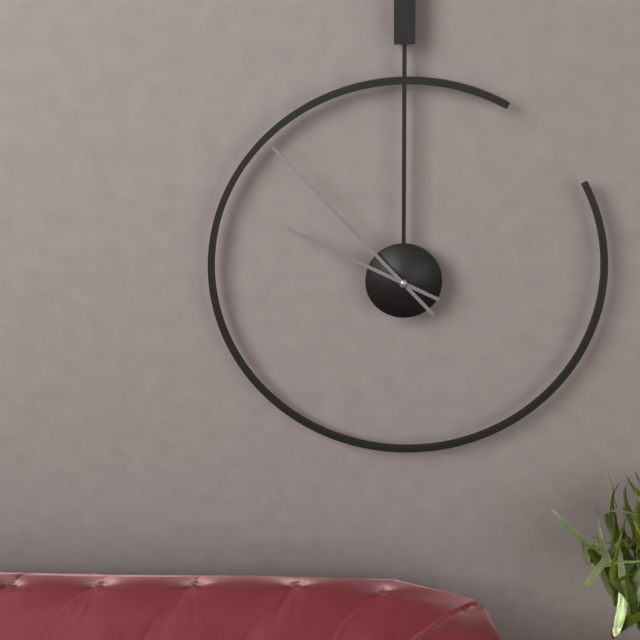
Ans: 9:53
